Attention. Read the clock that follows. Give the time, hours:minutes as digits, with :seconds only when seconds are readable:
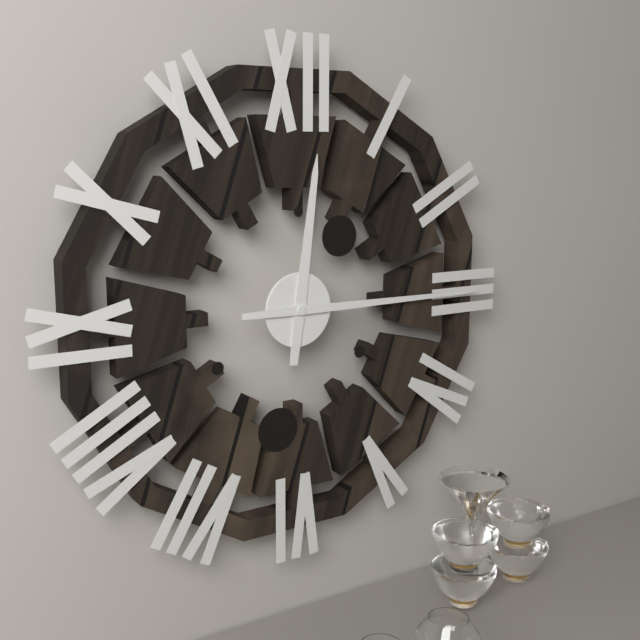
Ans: 12:15
